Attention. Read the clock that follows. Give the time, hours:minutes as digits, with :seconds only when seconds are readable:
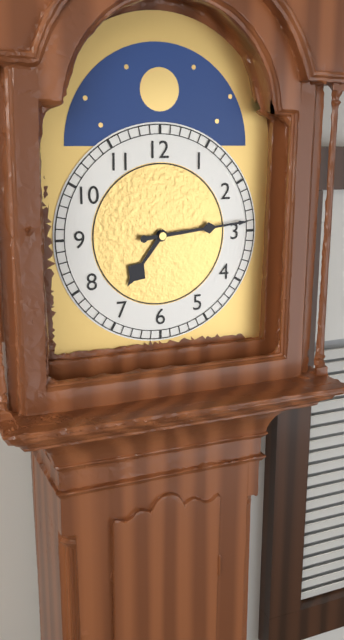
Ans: 7:14
